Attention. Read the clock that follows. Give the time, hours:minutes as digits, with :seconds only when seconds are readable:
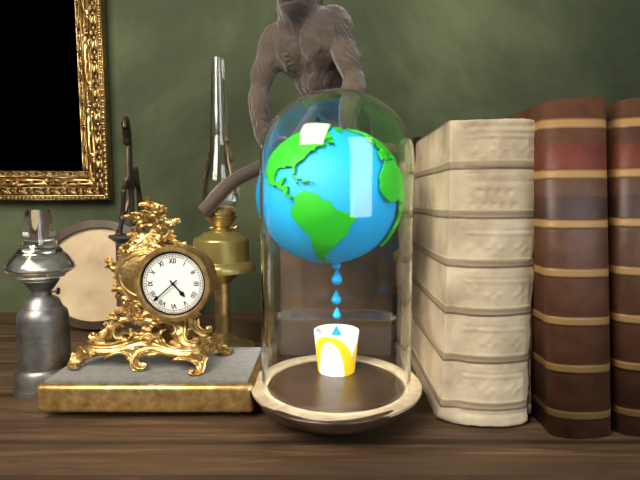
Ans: 4:38
